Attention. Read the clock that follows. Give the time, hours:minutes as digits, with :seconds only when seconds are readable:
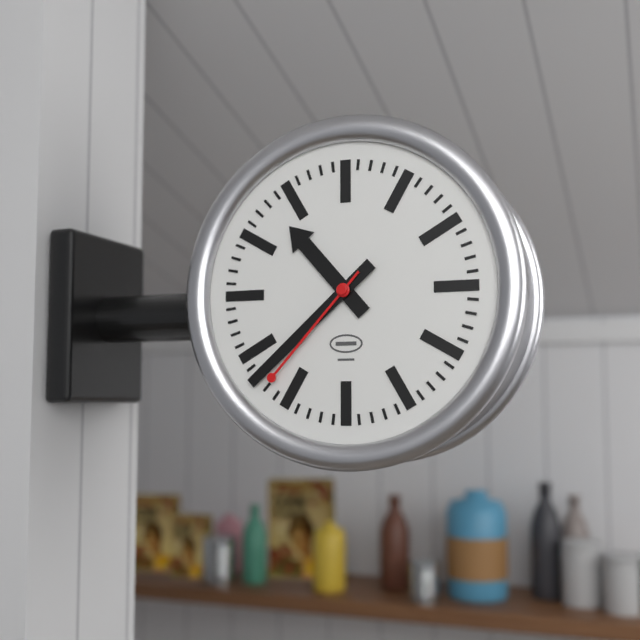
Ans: 10:38:37
